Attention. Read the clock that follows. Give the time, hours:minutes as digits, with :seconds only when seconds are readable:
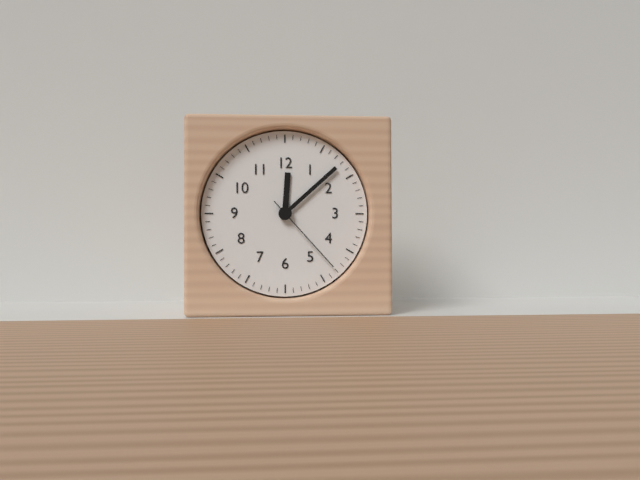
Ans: 12:08:23
